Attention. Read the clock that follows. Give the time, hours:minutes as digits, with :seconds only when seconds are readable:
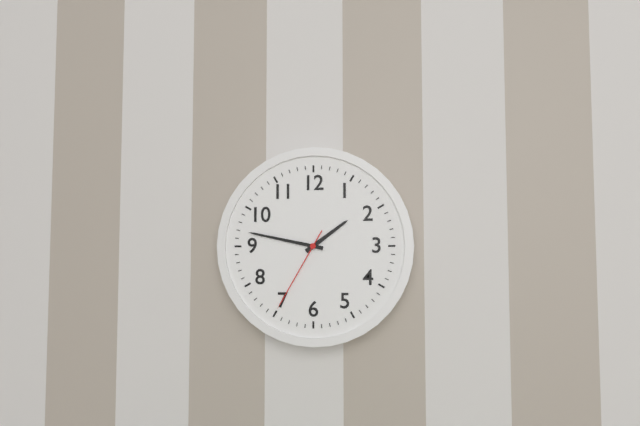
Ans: 1:47:35
